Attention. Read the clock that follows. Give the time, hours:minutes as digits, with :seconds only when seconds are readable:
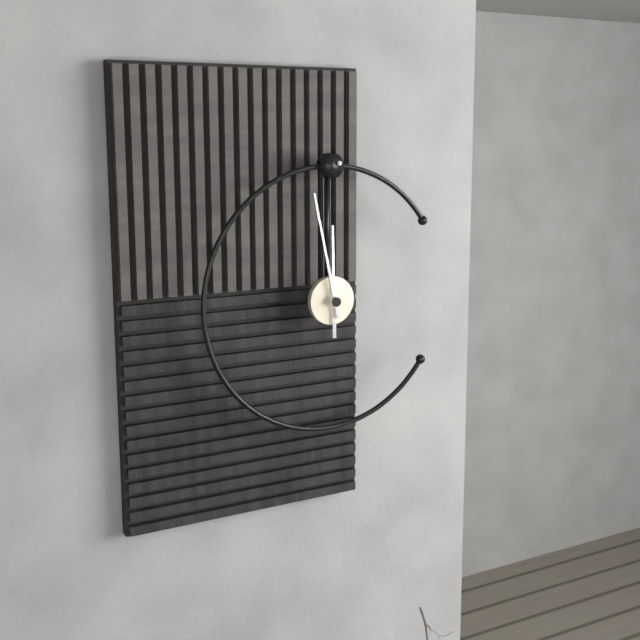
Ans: 11:58
